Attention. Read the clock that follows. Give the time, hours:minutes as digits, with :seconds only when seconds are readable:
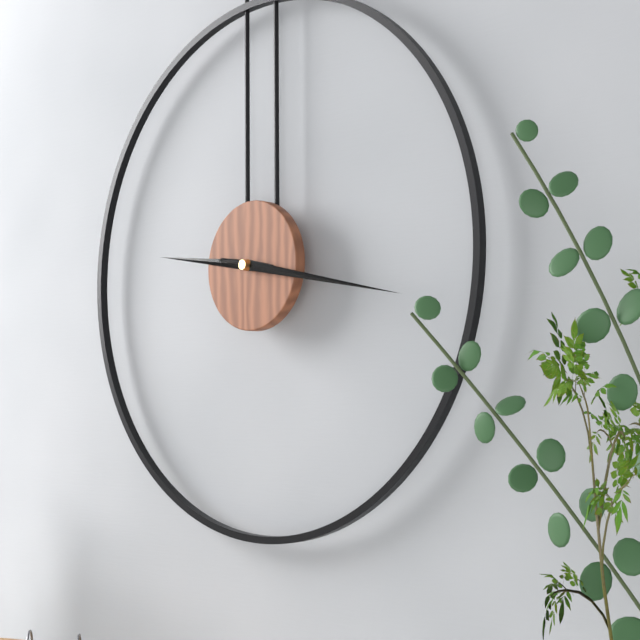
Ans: 9:17
